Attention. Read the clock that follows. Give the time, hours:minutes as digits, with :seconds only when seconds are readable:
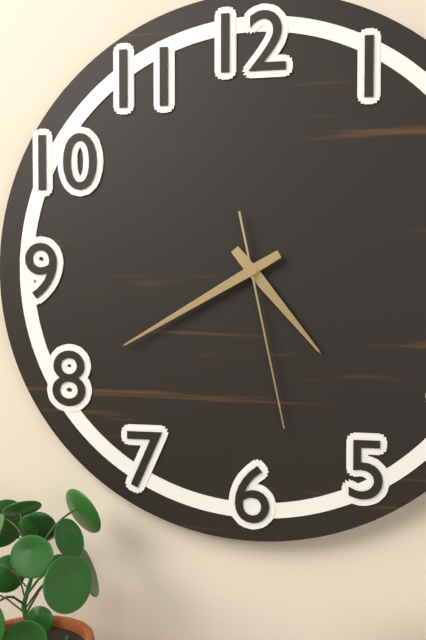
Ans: 4:40:28
